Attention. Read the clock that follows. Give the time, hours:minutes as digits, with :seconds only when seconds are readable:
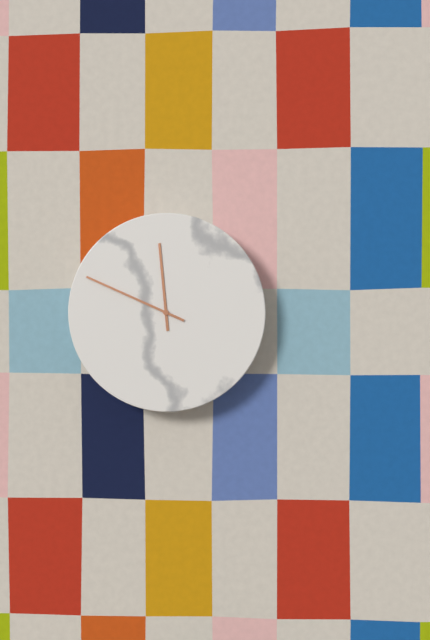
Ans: 11:49
